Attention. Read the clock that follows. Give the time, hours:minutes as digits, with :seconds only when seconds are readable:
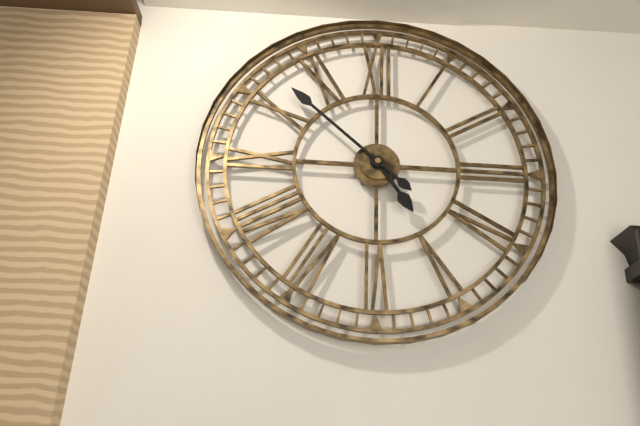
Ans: 4:52
